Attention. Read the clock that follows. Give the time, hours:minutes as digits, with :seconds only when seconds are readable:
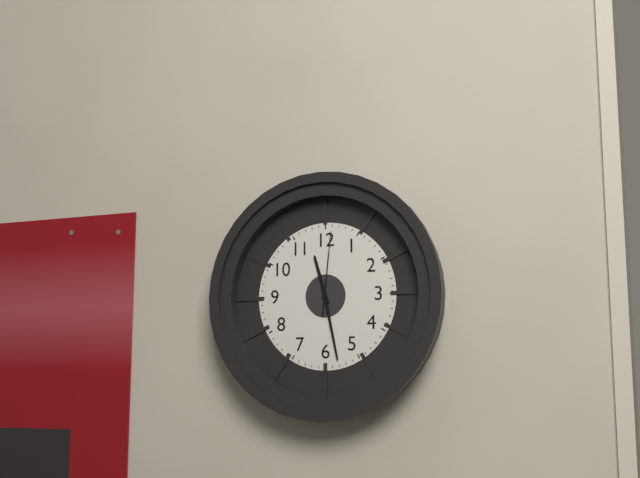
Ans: 11:28:01
